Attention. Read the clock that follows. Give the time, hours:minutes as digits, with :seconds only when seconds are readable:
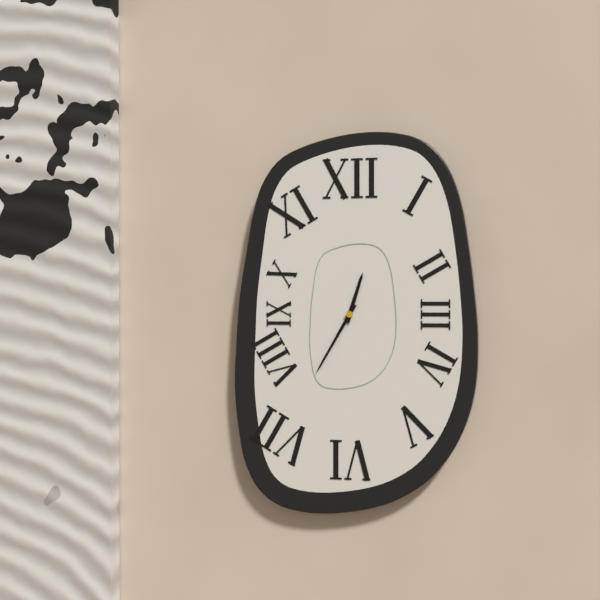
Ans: 12:35
